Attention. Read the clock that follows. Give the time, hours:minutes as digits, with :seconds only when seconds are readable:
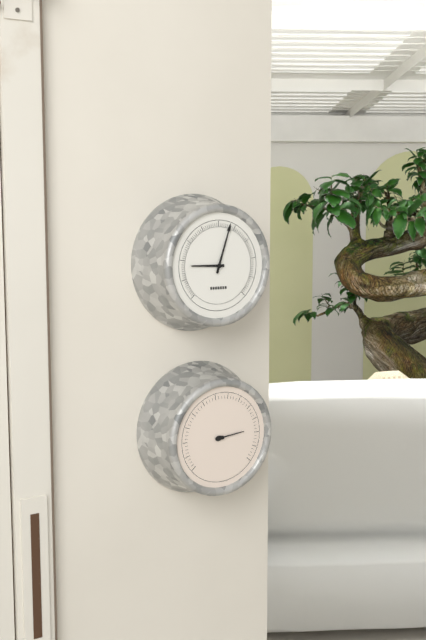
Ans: 9:03
